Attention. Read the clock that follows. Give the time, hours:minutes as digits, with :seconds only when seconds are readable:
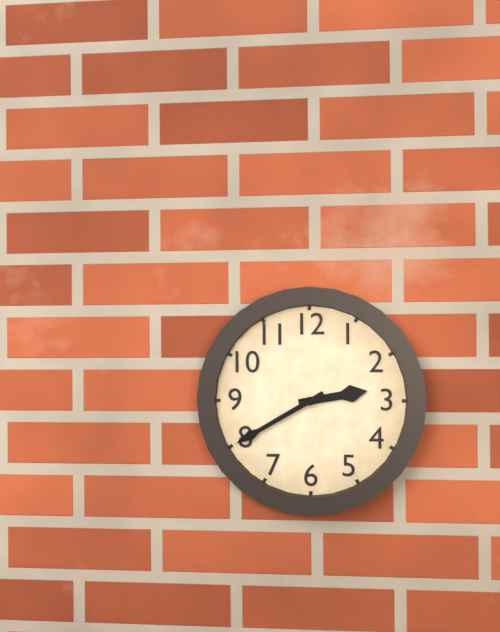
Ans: 2:40
